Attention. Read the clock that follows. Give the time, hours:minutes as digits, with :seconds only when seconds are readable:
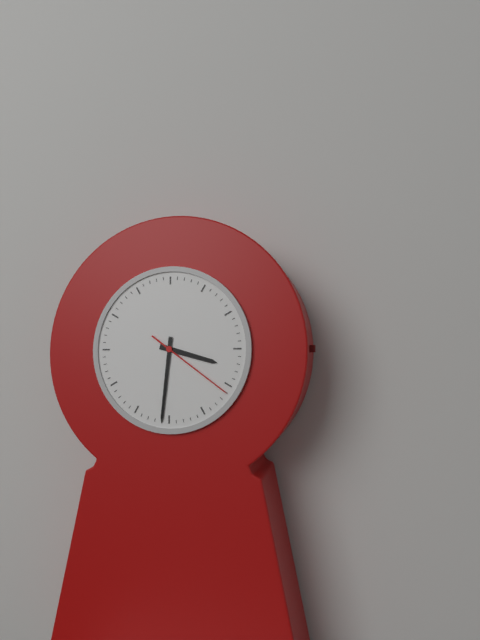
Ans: 3:31:21
